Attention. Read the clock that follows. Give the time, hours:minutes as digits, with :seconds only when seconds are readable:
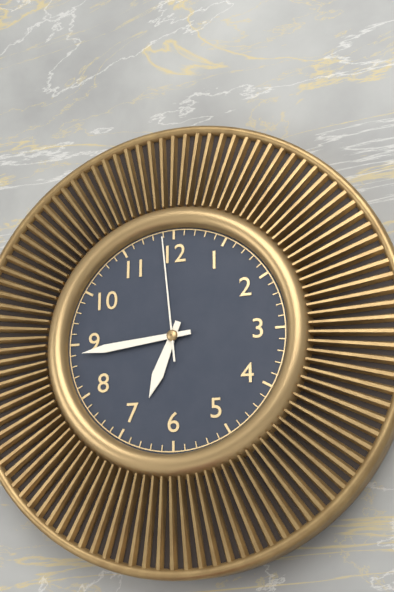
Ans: 6:44:59
